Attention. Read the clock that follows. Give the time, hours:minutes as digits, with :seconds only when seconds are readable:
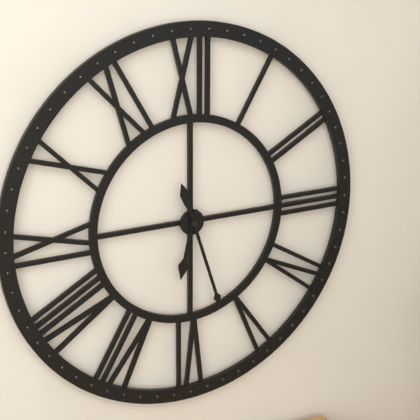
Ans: 6:27
